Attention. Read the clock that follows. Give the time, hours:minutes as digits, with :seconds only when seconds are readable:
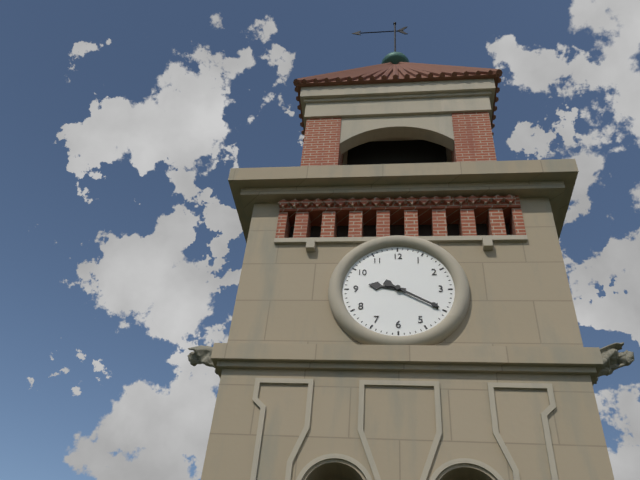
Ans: 9:20
